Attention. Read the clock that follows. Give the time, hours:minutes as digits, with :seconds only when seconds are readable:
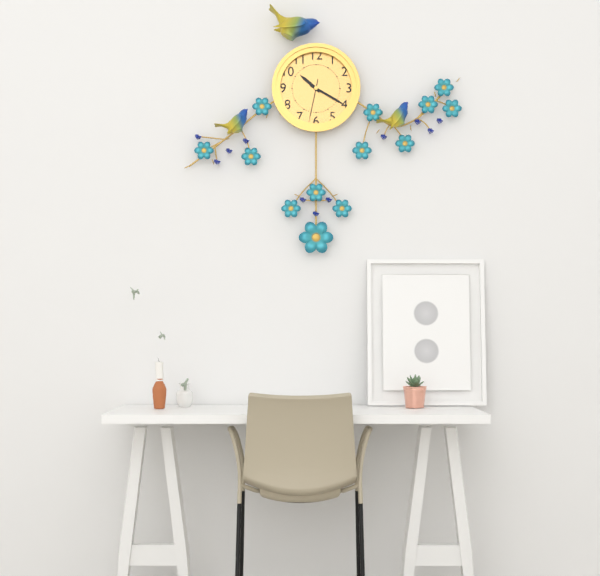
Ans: 10:20
